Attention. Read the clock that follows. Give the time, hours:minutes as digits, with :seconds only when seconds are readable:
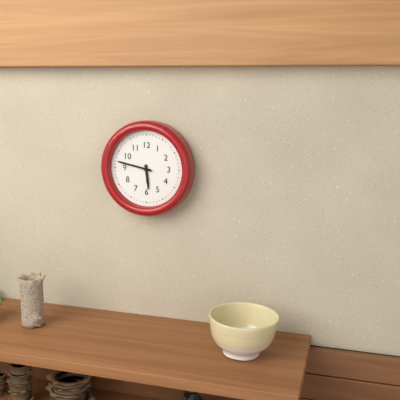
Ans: 5:47
